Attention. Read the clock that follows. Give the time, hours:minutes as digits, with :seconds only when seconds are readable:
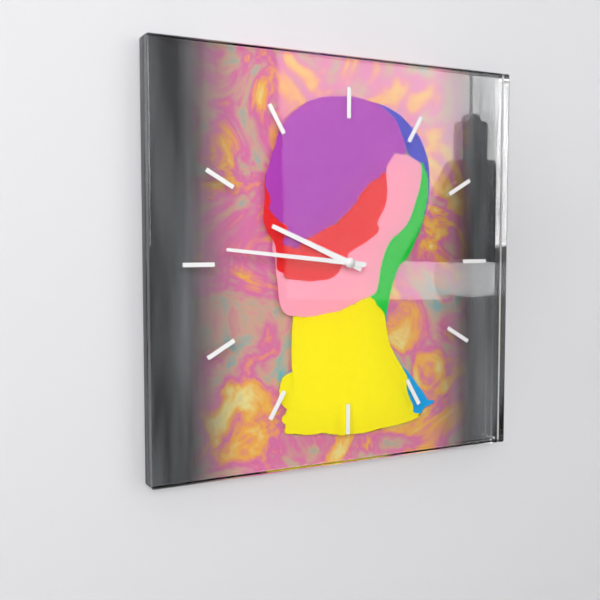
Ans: 9:46
